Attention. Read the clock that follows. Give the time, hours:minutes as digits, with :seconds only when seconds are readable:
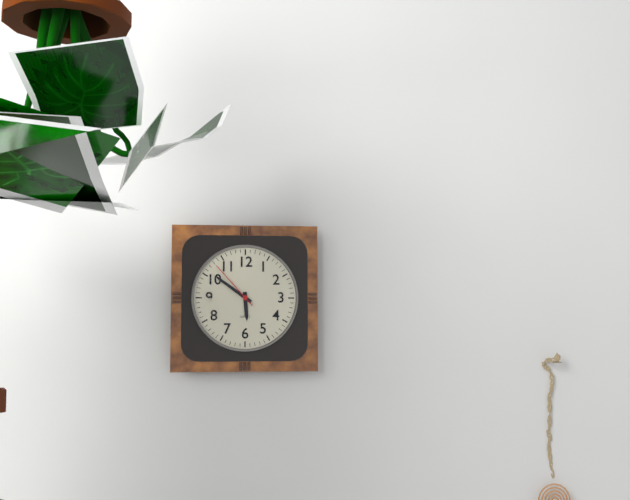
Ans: 5:51:53
